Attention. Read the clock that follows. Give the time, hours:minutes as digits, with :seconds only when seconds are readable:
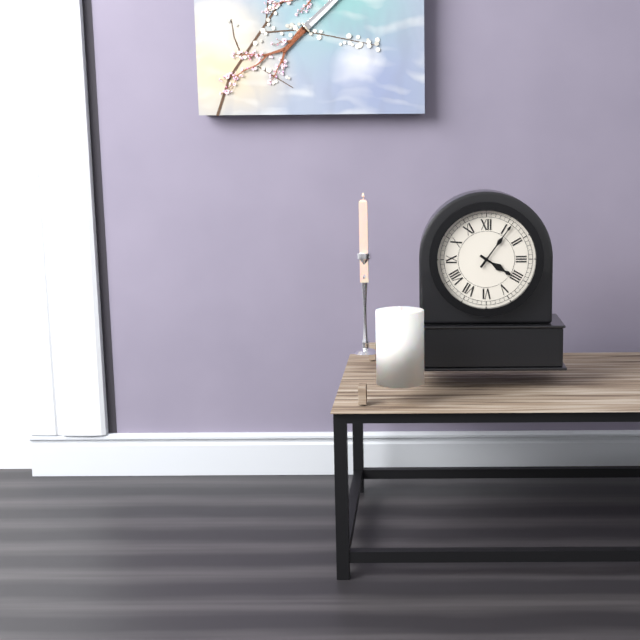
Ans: 4:06
